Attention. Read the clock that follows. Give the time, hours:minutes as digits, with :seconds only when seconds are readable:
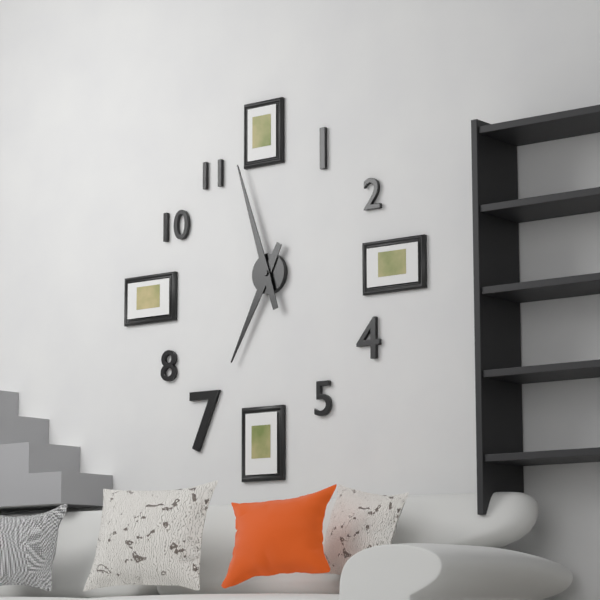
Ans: 6:57
